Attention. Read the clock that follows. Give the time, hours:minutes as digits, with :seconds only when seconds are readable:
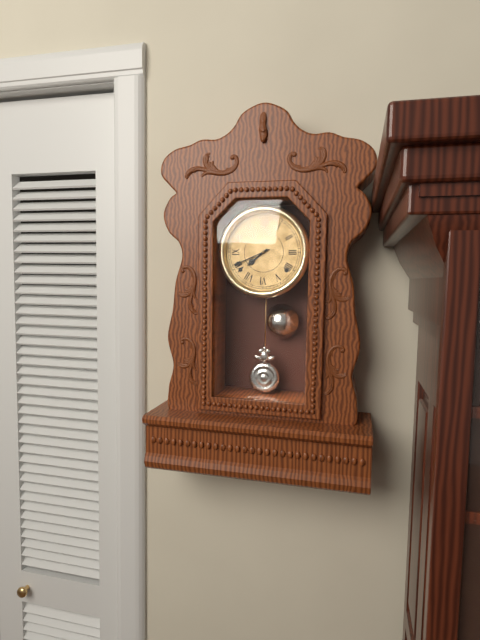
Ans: 7:41
